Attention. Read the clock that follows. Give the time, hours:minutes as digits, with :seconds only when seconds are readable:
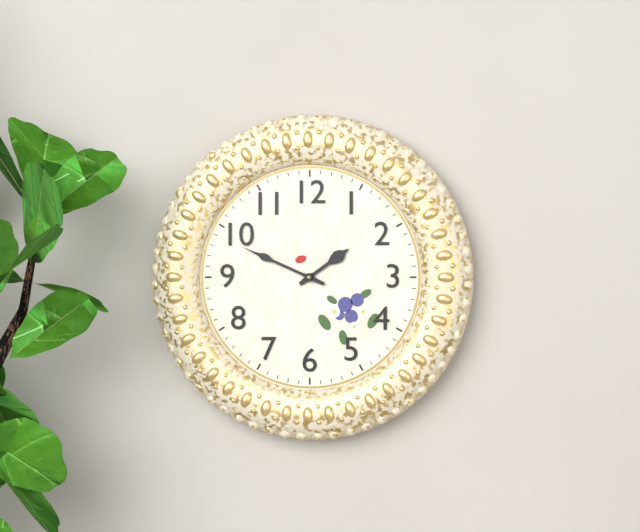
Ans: 1:49
